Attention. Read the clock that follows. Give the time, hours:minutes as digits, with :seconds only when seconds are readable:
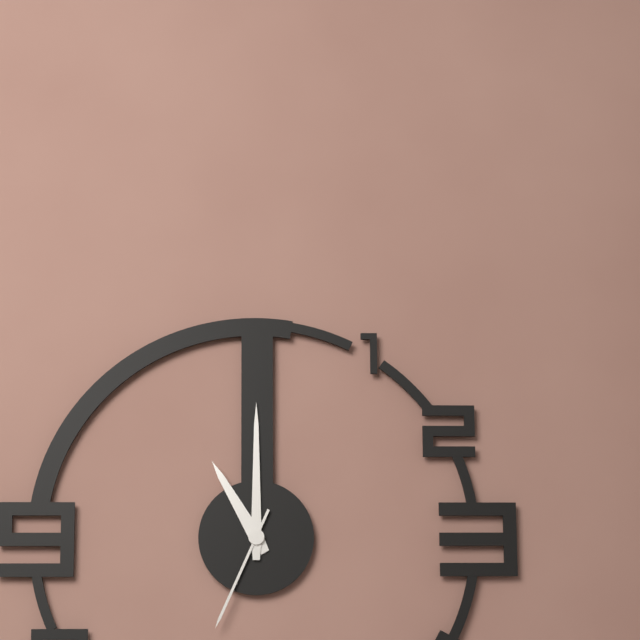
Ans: 11:00:34
